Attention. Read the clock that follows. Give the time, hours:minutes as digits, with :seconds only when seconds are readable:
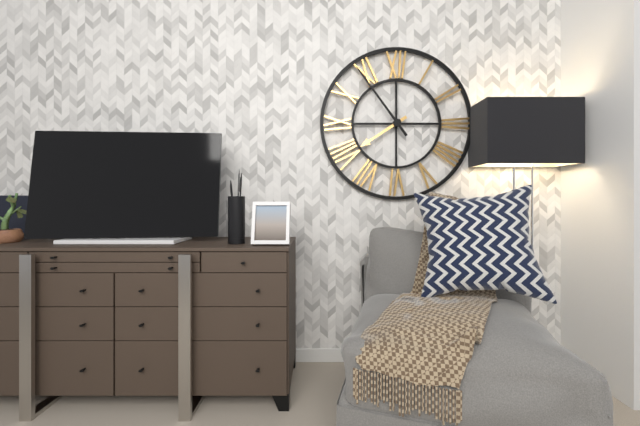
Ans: 7:54
